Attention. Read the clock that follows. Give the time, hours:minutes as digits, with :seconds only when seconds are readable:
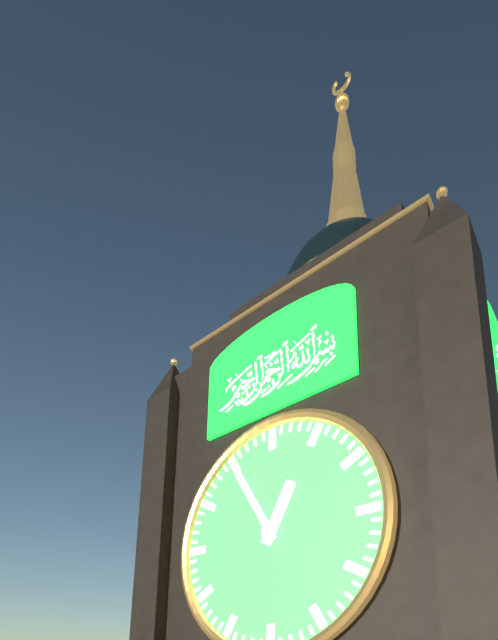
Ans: 12:55
